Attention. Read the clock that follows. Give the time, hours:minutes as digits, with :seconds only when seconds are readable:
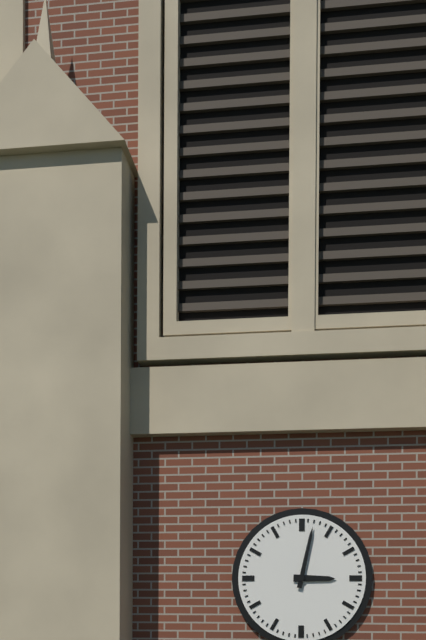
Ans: 3:02
